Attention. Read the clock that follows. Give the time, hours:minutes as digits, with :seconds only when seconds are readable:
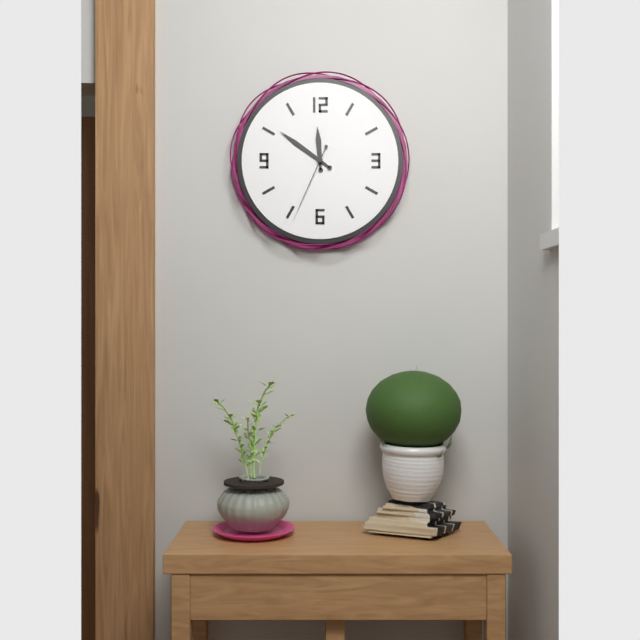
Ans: 11:51:34
